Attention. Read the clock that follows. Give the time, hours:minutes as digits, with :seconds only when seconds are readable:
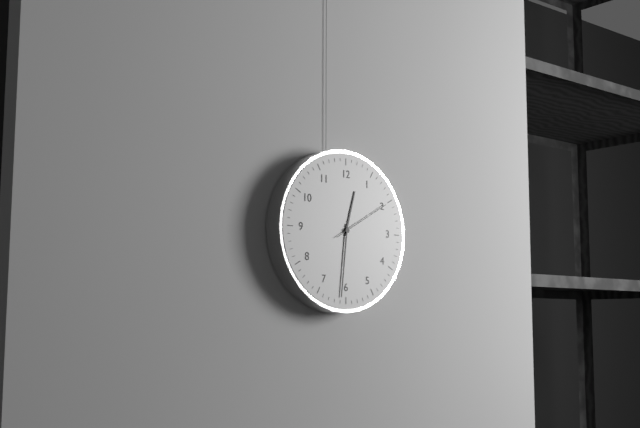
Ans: 12:31:10
